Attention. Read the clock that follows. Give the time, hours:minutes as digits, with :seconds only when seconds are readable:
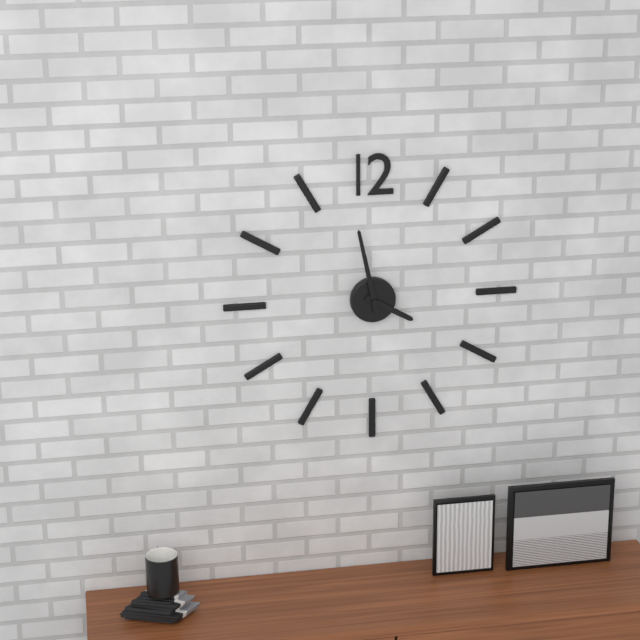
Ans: 3:58
